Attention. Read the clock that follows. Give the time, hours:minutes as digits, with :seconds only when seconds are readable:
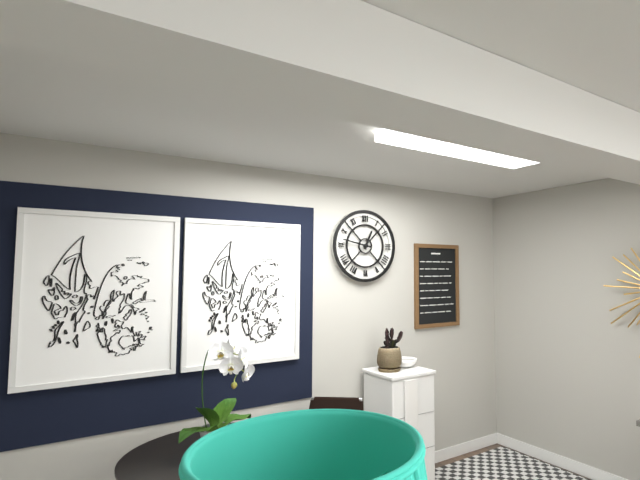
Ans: 12:47
